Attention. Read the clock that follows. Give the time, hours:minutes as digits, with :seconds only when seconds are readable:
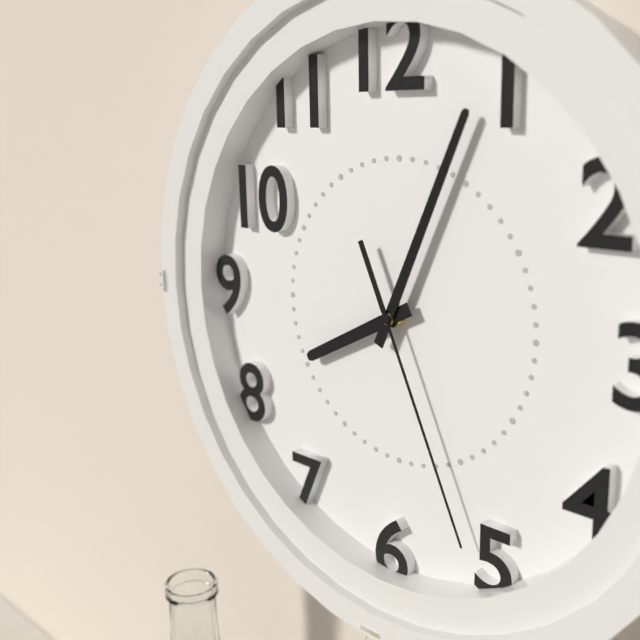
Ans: 8:04:26
